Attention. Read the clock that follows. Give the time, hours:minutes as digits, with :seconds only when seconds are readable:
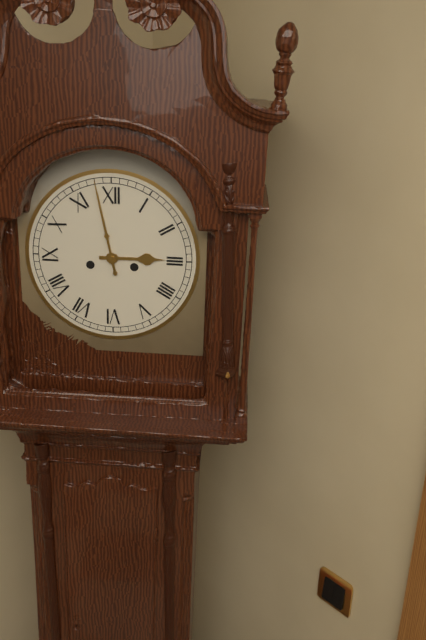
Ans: 2:58
